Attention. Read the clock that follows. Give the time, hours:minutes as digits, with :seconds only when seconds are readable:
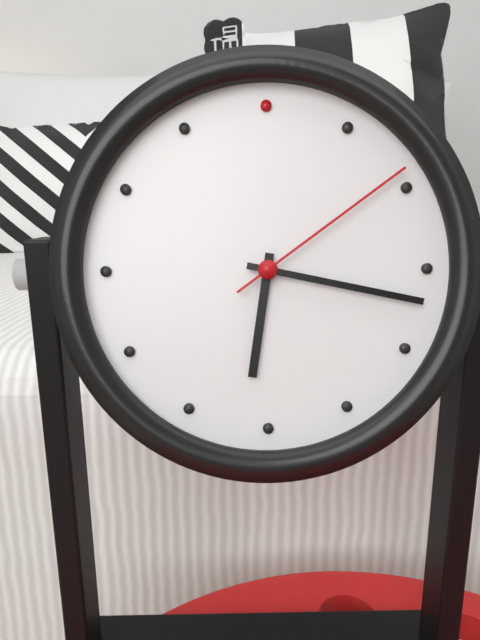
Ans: 6:17:09
